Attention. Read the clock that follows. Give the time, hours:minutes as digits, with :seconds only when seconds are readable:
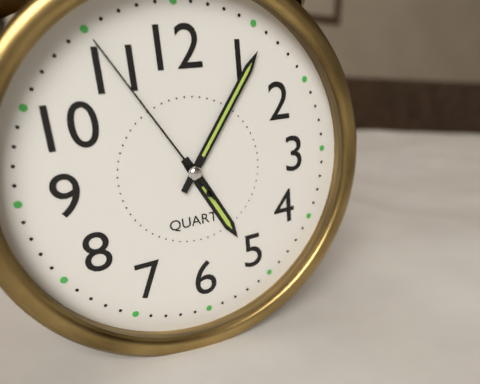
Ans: 5:06:55
